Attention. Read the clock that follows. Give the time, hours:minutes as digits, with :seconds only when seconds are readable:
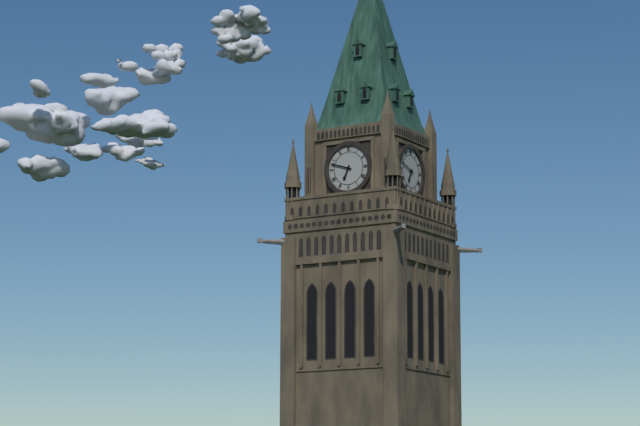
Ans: 6:48
